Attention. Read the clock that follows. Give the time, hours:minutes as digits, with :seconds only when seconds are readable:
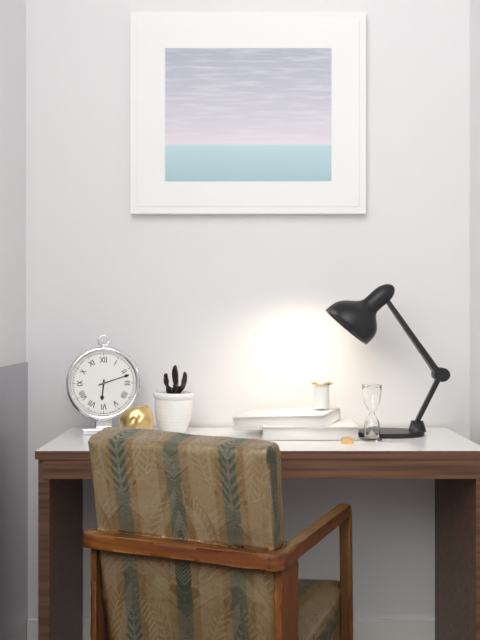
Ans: 6:12
